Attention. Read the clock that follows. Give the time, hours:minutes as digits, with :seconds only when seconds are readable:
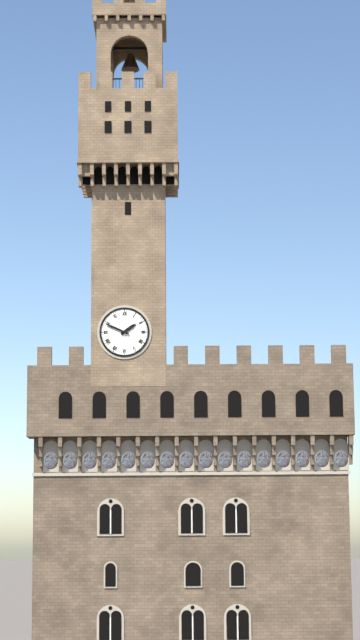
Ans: 1:49
